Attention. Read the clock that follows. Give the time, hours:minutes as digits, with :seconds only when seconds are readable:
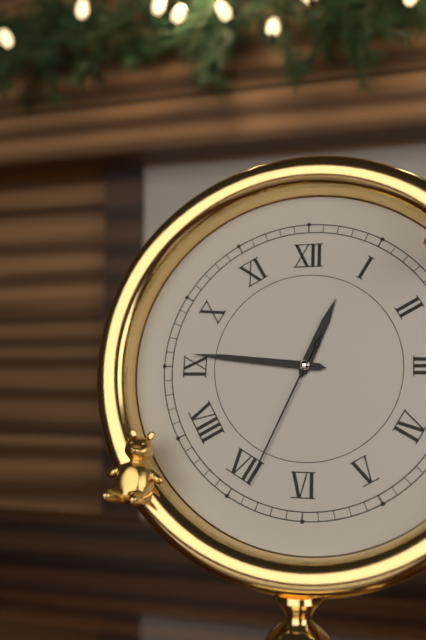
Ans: 12:46:34
